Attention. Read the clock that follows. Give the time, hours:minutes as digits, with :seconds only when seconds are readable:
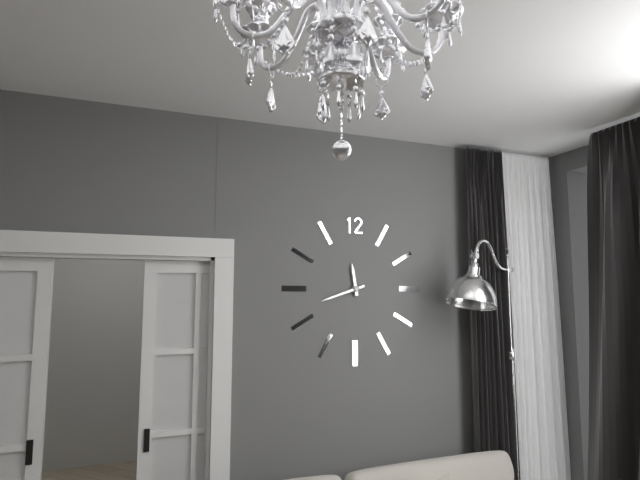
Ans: 11:42
